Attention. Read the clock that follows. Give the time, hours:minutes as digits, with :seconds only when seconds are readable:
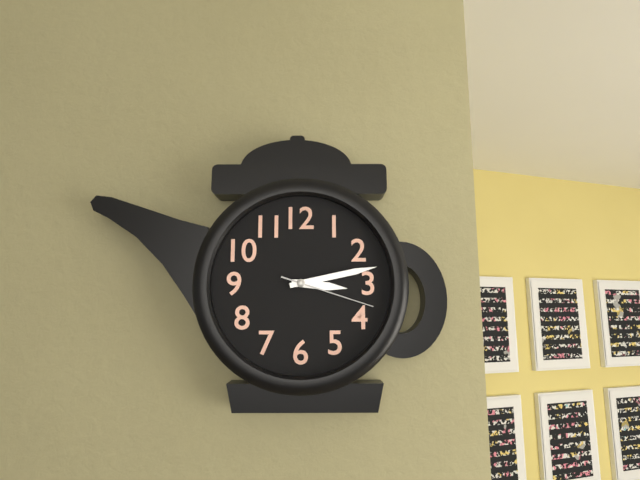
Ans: 3:13:18
